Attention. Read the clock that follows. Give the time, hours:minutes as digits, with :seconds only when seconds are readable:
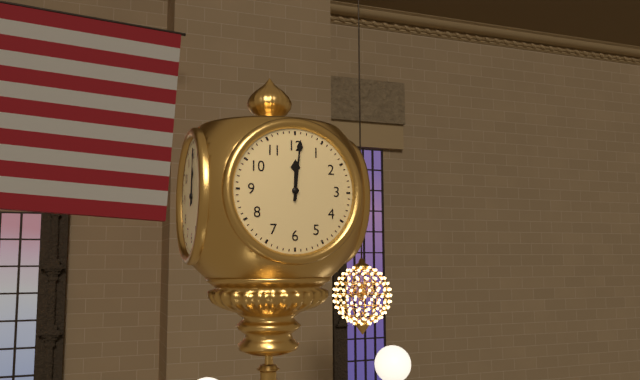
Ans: 12:01
